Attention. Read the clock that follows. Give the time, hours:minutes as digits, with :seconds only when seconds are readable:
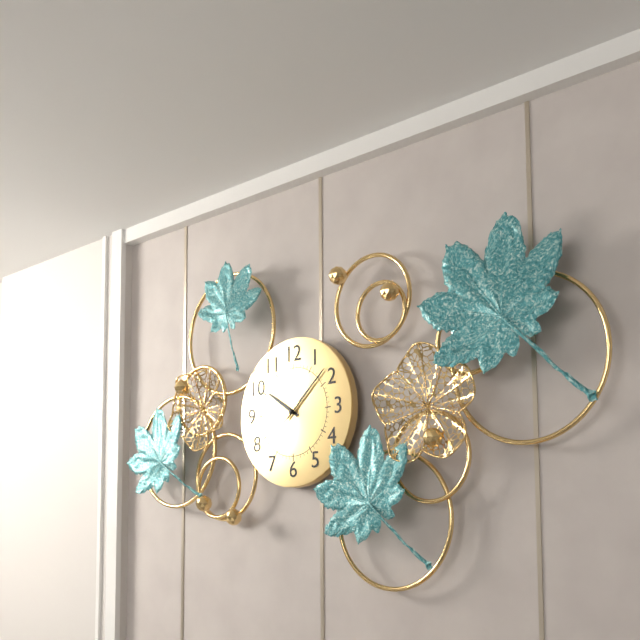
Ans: 10:08:38
